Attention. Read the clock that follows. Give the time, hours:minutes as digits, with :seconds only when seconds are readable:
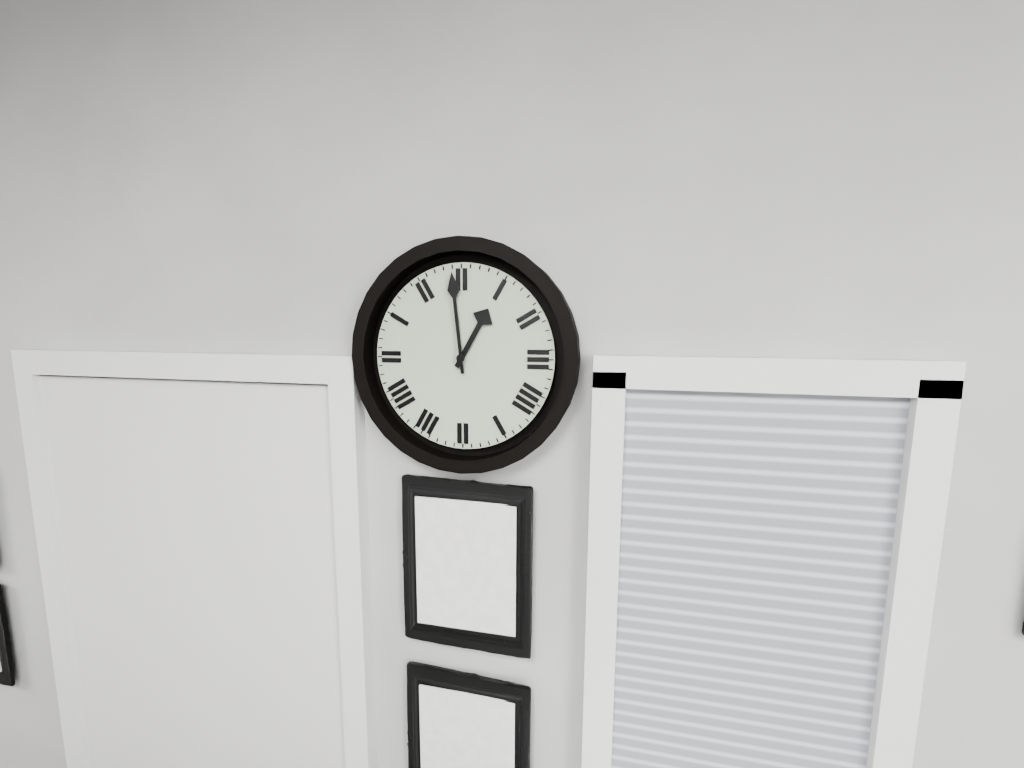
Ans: 12:59
